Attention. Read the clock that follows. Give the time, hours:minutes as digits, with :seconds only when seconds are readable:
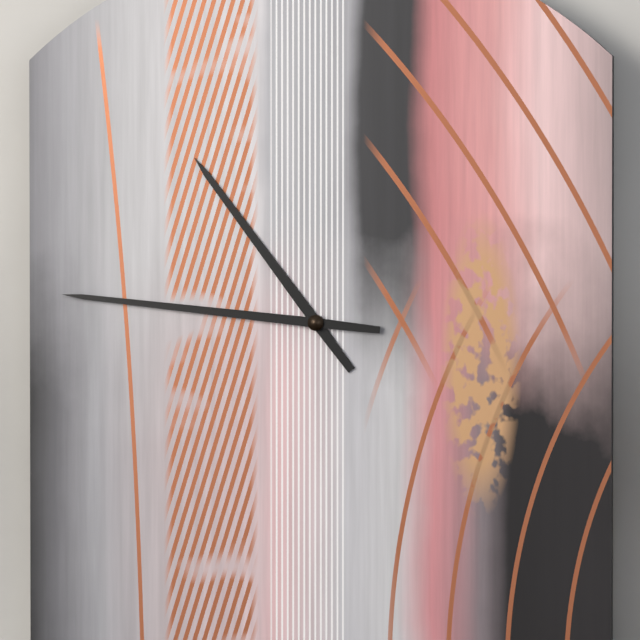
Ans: 10:46
